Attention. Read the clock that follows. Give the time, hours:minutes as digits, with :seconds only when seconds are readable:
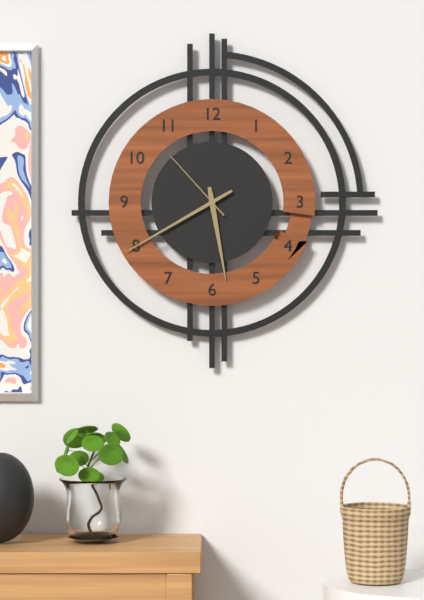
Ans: 5:40:53
